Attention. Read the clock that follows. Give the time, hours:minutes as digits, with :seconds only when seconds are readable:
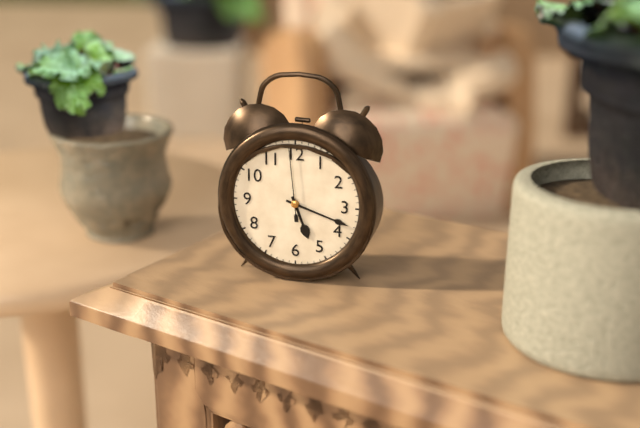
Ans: 5:18:59
